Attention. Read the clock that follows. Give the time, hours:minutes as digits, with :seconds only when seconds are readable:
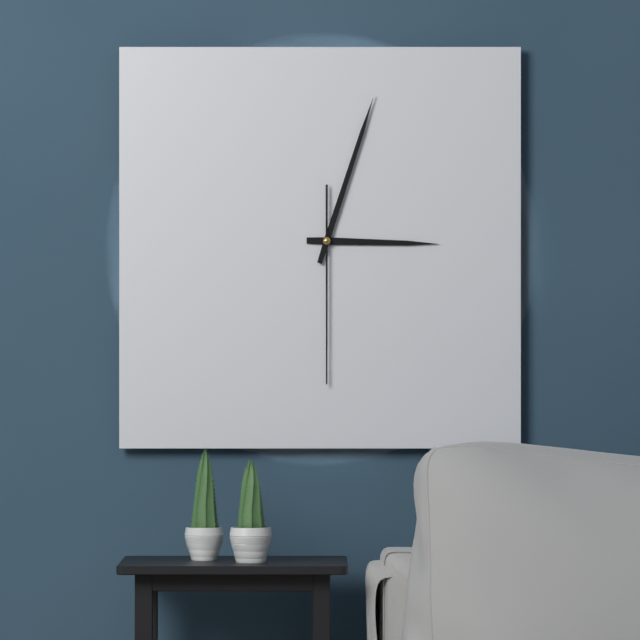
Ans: 3:03:30
